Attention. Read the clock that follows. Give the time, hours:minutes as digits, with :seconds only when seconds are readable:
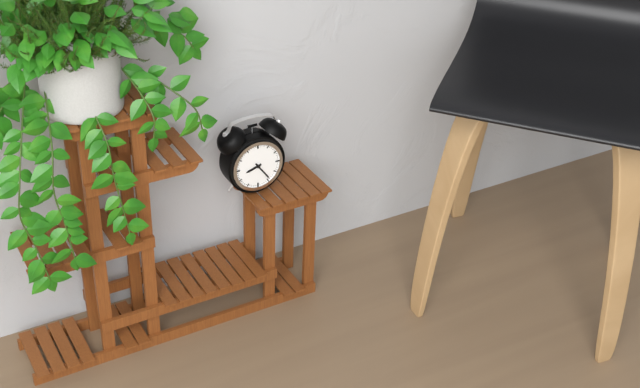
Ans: 8:24
